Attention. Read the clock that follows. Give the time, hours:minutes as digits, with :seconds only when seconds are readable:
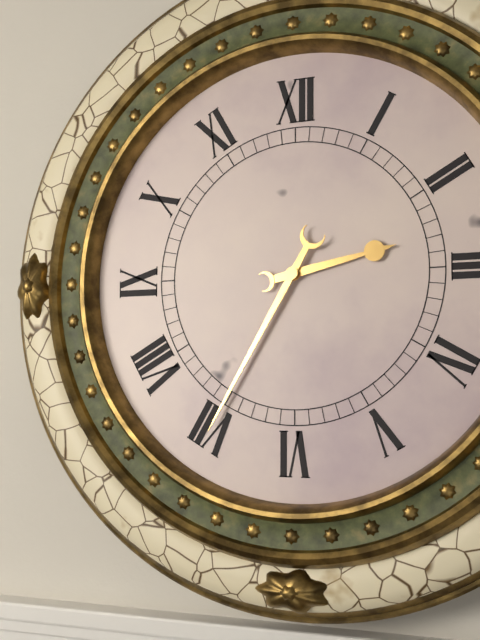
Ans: 2:35
